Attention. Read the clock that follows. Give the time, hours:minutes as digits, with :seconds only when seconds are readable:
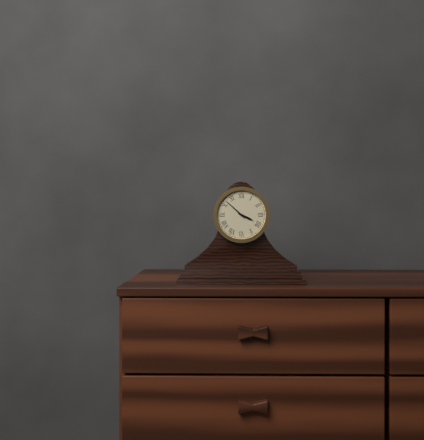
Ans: 3:52
